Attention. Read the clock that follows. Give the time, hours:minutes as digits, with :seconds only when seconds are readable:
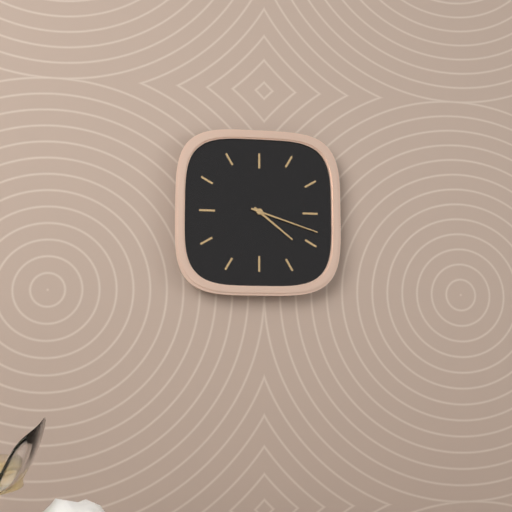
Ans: 4:18
